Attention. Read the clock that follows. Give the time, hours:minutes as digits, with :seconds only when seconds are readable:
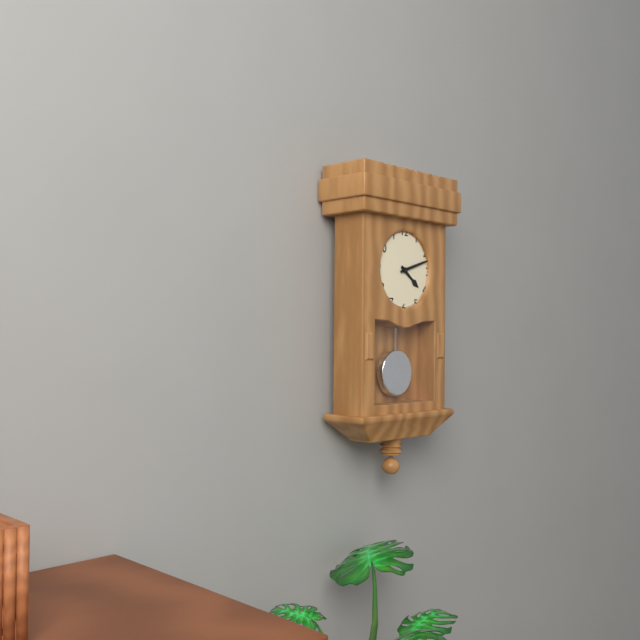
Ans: 4:12
